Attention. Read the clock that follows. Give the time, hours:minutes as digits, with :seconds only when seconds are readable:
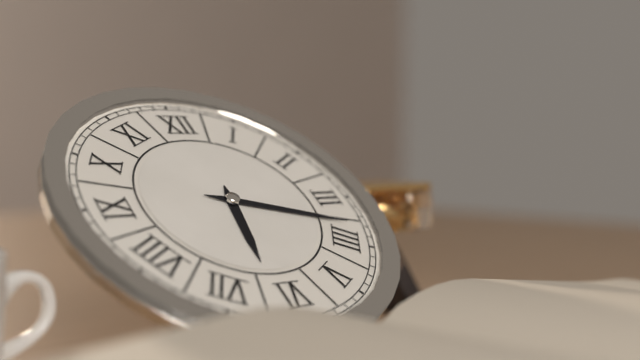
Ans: 6:18
